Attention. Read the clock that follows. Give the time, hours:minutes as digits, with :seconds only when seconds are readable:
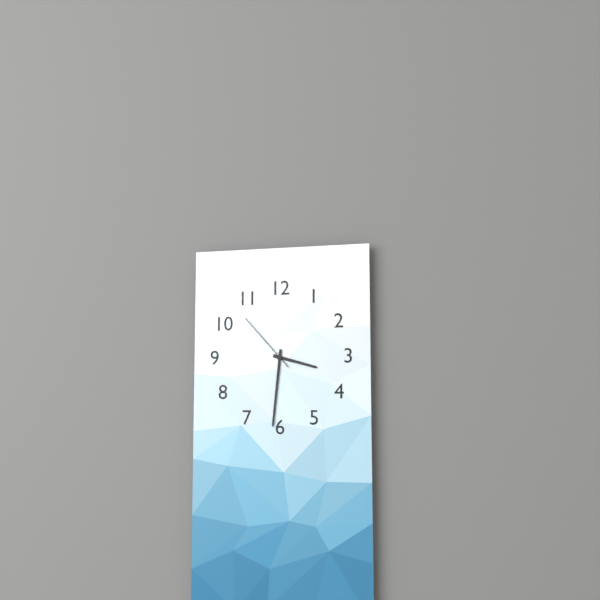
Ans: 3:31:53
